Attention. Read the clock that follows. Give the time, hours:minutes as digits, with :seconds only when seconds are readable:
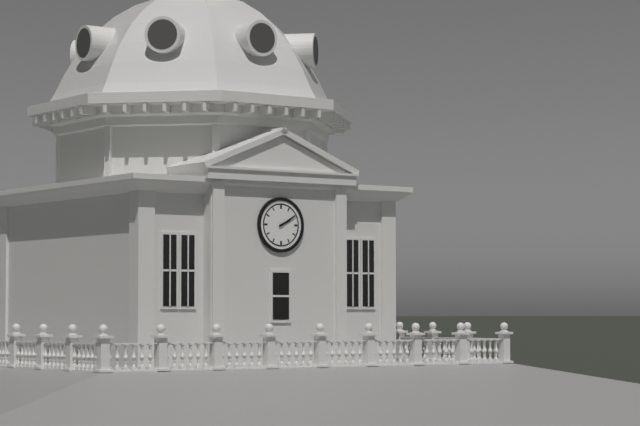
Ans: 2:10
